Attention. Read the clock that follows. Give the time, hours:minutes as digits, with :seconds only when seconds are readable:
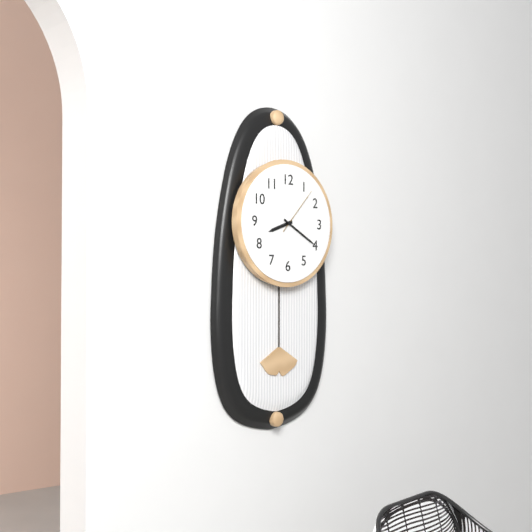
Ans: 8:20
